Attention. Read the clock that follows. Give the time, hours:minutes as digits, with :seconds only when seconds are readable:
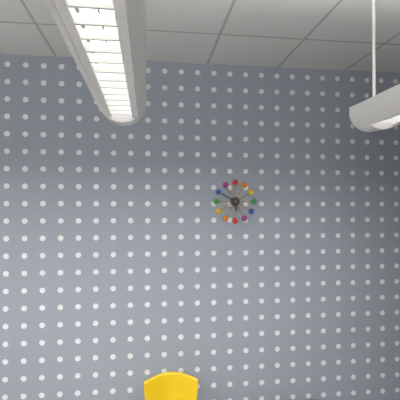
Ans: 5:50
